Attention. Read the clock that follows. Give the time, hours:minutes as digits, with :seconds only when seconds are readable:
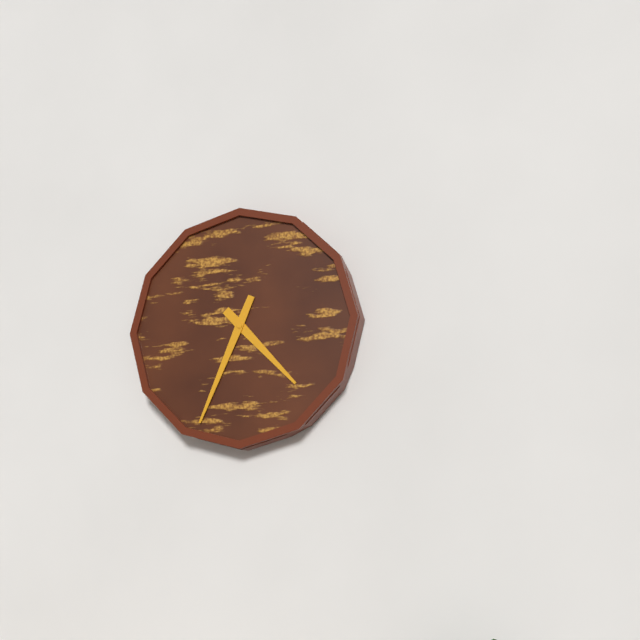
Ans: 4:34
